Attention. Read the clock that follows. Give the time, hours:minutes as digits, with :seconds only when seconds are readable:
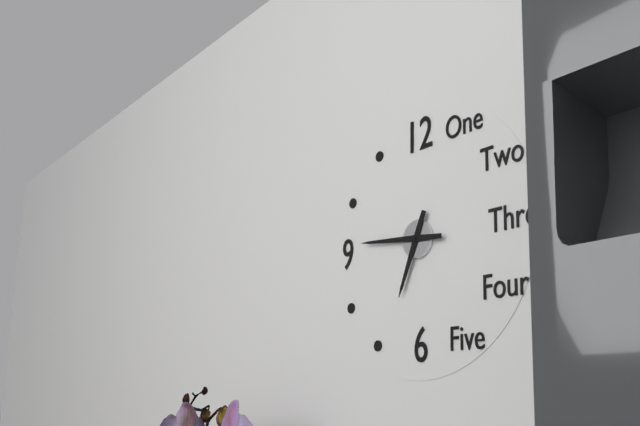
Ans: 6:46
